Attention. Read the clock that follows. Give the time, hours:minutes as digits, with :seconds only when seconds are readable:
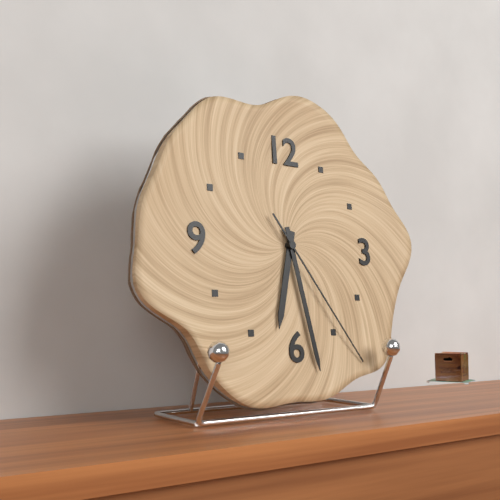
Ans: 6:28:24
